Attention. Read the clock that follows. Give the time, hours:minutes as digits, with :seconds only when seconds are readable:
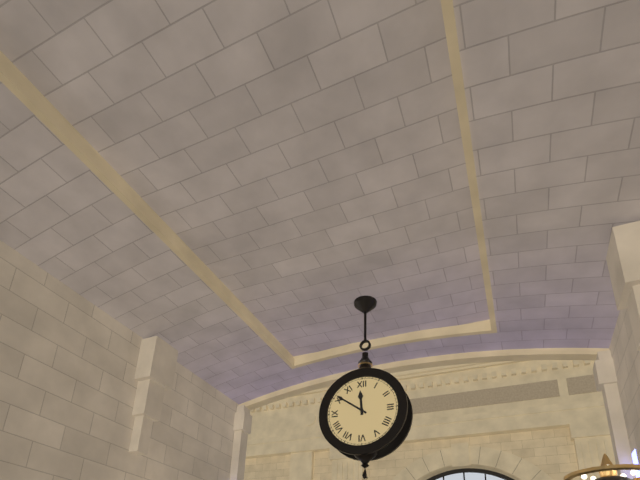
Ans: 11:51
